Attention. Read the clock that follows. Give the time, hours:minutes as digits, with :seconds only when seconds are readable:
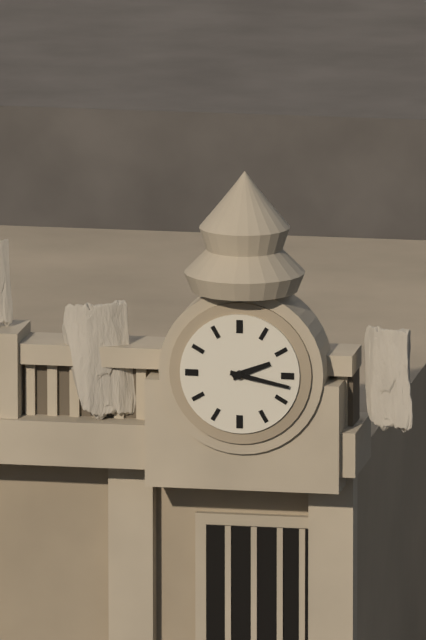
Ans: 2:17
